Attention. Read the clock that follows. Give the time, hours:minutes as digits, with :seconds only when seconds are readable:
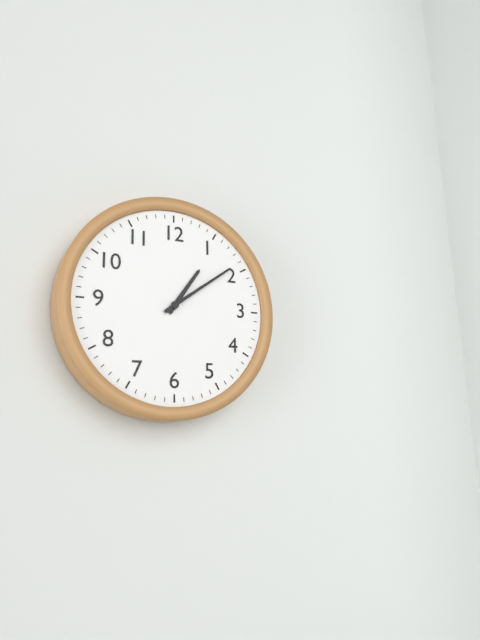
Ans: 1:09
